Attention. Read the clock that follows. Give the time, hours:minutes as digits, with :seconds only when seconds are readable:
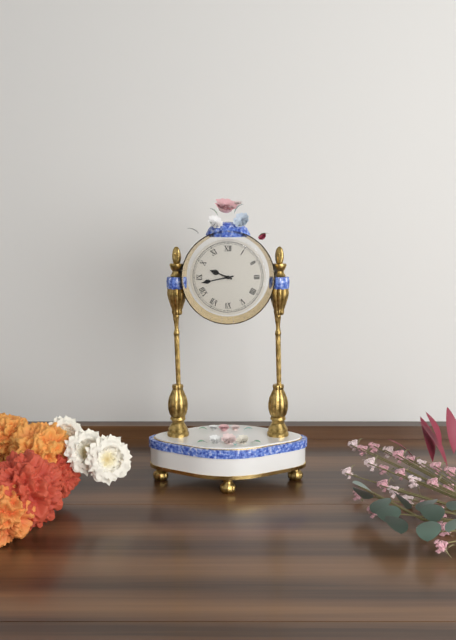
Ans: 9:43
